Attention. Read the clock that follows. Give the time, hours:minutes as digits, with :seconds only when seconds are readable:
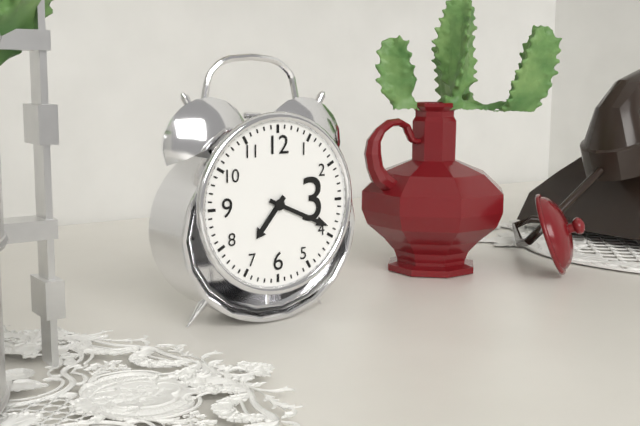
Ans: 7:19
